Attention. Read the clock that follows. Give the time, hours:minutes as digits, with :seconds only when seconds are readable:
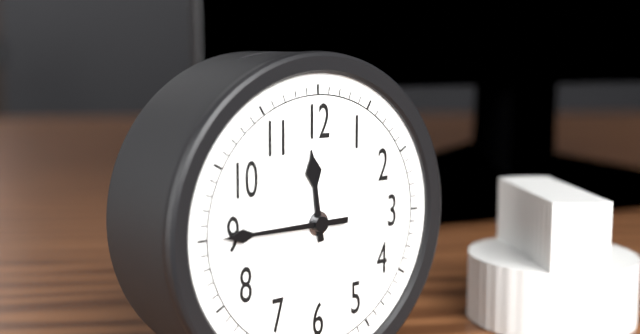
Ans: 11:45
